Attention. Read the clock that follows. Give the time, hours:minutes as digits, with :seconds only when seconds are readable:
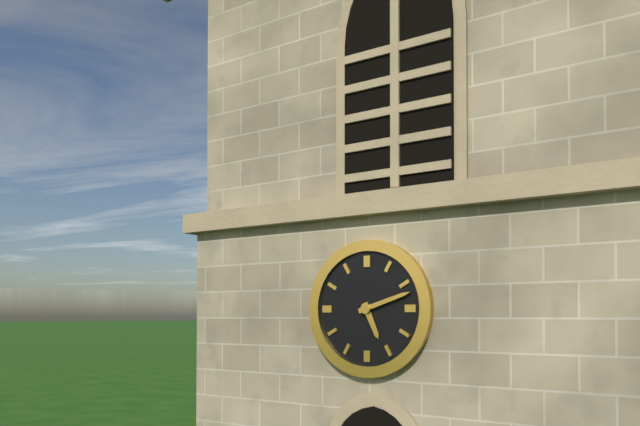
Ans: 5:12
